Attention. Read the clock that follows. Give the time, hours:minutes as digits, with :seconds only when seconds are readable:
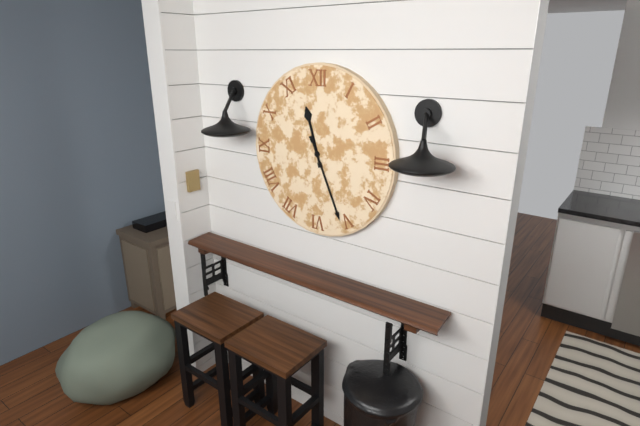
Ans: 11:26
